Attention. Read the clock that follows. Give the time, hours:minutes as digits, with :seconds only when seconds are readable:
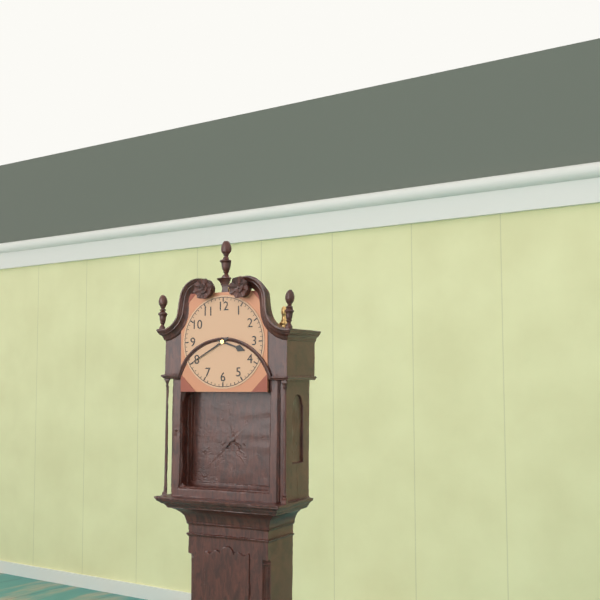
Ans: 3:40
